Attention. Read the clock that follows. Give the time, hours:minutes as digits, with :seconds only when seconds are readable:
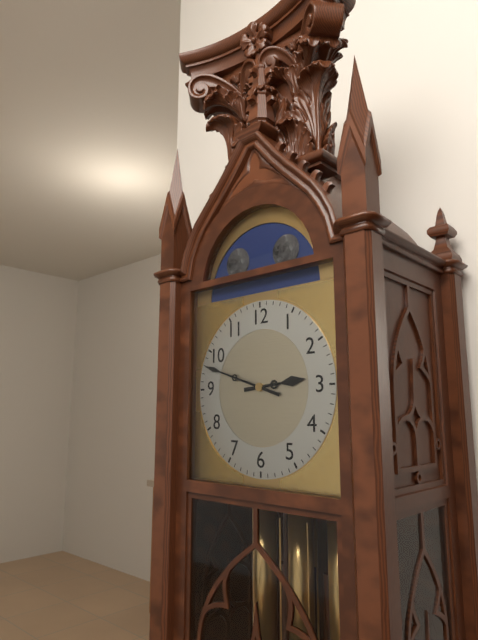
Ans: 2:48
